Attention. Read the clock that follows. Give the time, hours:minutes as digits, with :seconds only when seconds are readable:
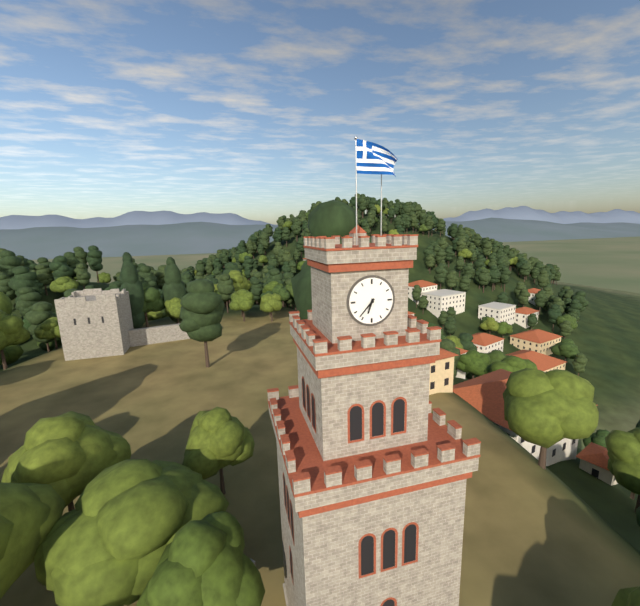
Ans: 6:37
